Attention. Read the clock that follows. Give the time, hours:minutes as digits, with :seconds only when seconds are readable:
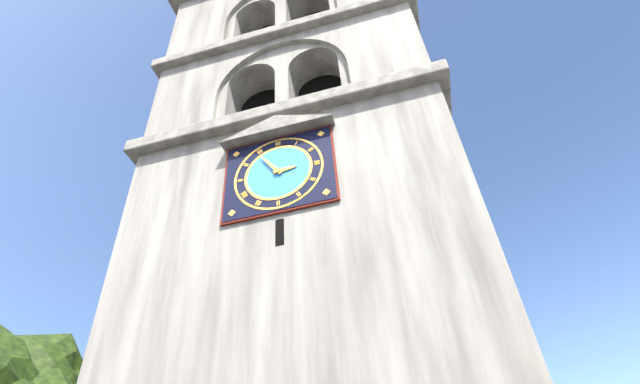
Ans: 2:54
